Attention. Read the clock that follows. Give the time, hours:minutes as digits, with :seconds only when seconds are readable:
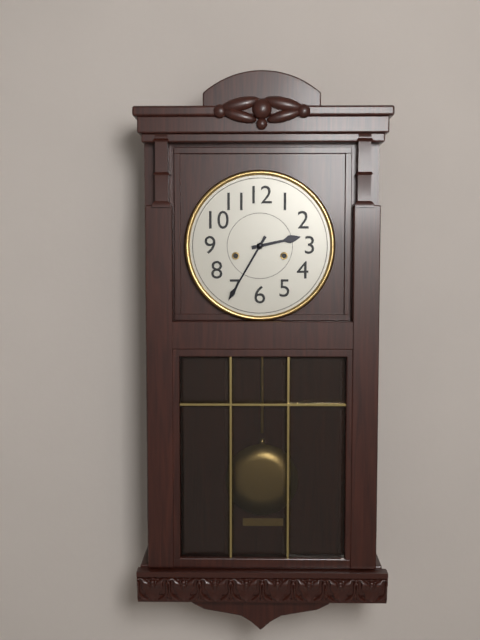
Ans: 2:35
